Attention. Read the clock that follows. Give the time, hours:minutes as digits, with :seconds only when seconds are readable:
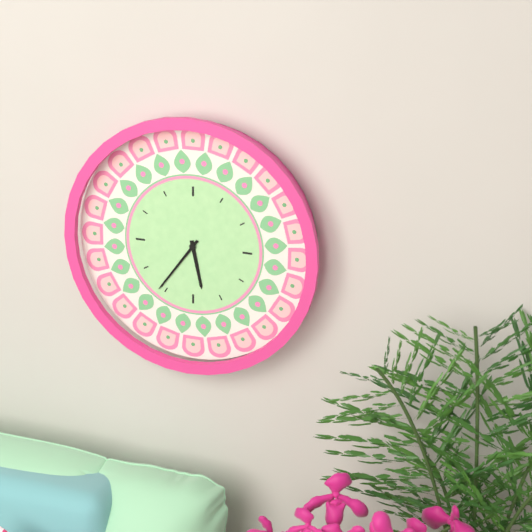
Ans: 5:36
